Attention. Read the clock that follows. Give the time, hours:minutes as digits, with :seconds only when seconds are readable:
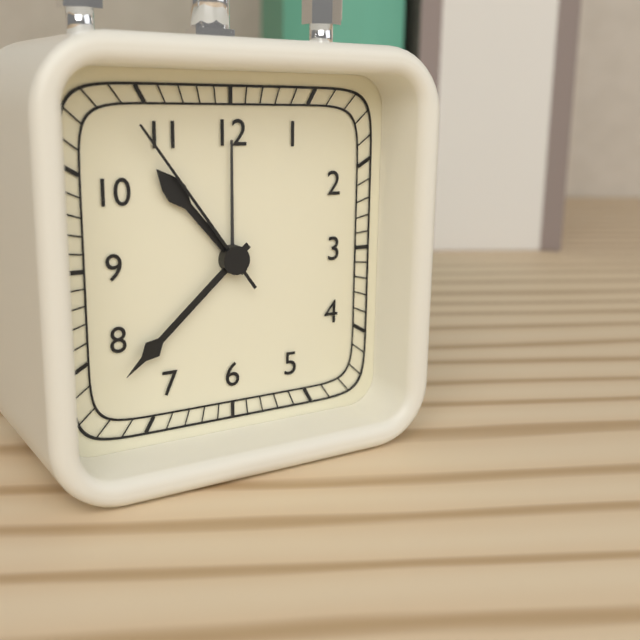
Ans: 10:38:54
